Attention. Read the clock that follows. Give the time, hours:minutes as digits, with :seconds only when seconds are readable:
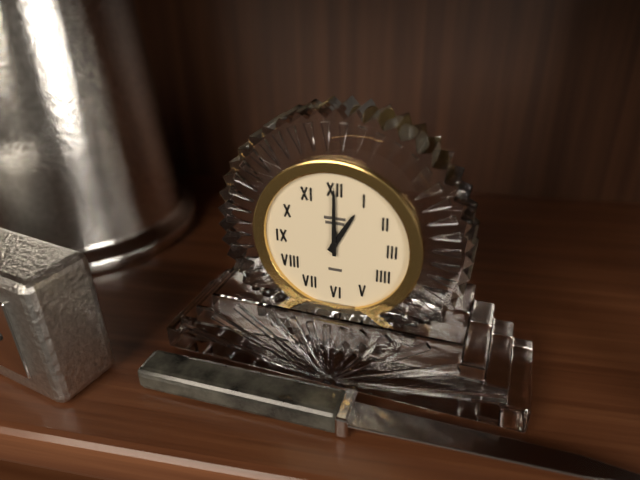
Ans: 1:00
